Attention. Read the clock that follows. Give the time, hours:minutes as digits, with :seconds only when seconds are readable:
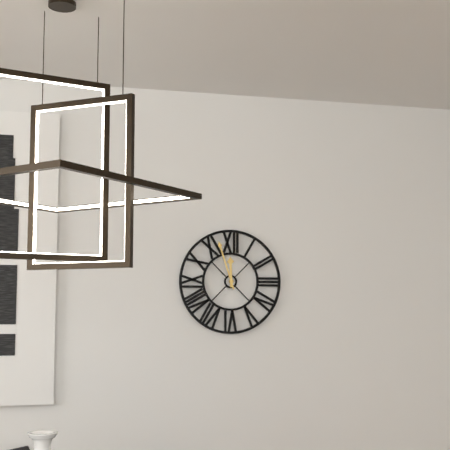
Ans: 11:57
